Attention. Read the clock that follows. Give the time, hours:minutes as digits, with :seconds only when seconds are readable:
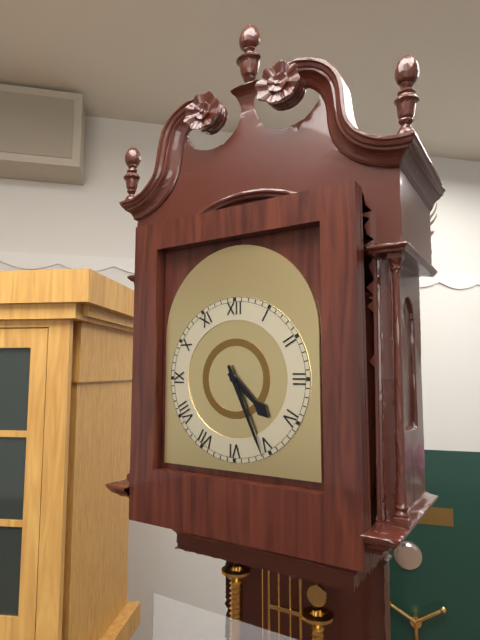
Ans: 4:26
